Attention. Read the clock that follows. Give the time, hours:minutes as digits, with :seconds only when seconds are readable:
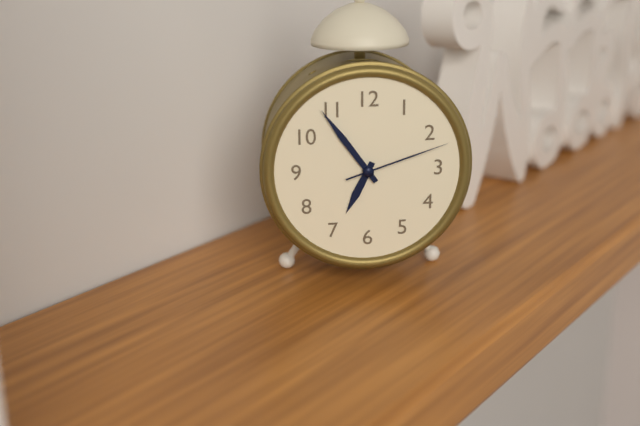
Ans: 6:54:12
